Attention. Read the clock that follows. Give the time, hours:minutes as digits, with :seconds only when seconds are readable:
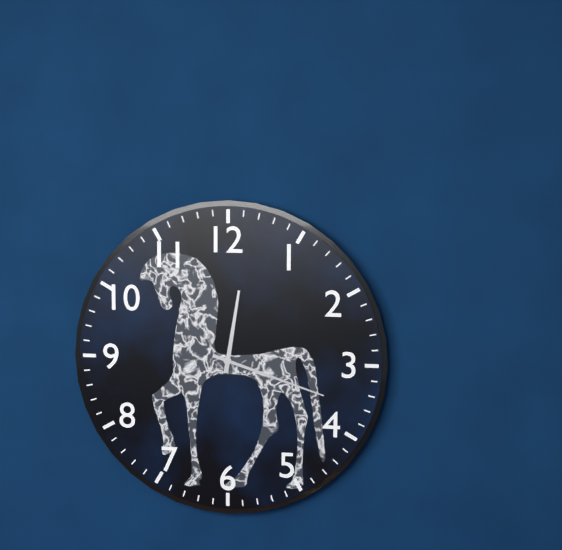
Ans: 12:18
